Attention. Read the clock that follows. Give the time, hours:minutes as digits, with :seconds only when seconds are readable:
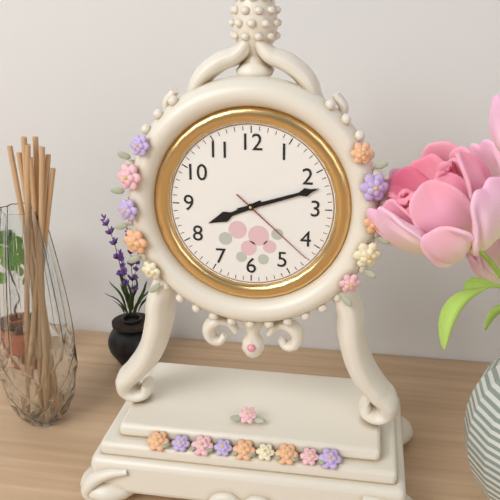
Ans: 8:12:22
